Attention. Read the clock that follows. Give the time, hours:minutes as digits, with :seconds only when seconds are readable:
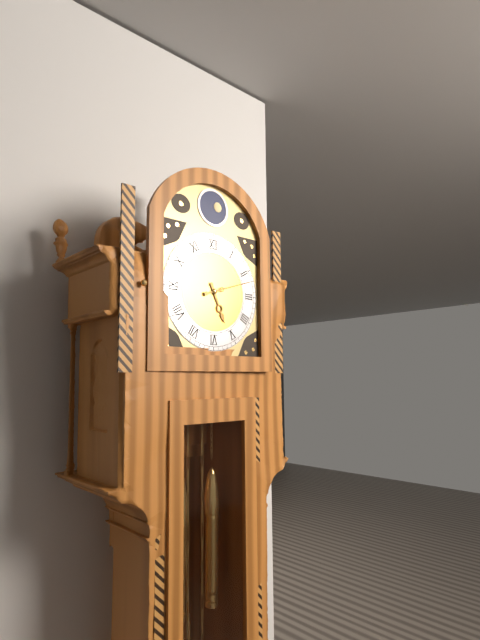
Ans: 5:12
